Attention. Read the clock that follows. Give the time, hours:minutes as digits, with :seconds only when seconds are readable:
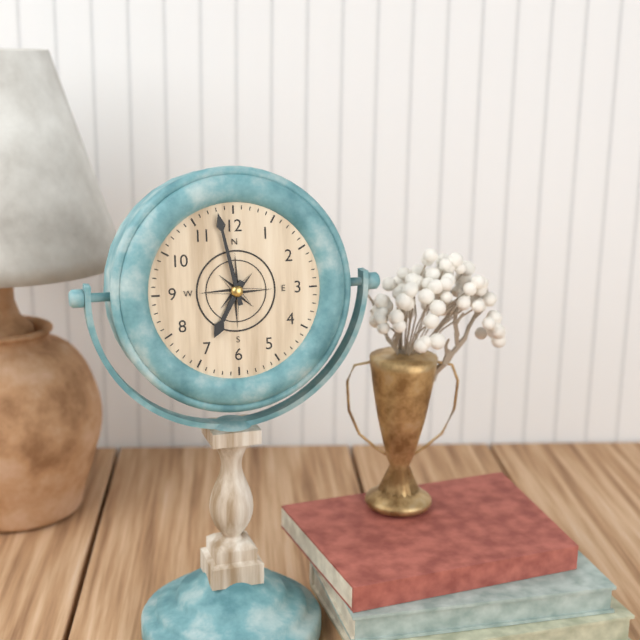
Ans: 6:58
